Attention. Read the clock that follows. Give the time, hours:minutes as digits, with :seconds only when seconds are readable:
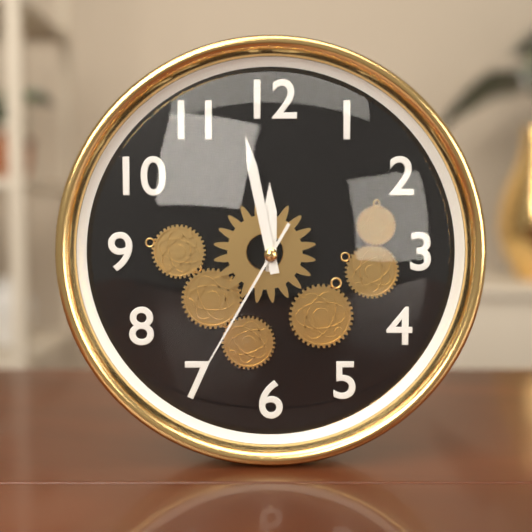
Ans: 11:58:35
